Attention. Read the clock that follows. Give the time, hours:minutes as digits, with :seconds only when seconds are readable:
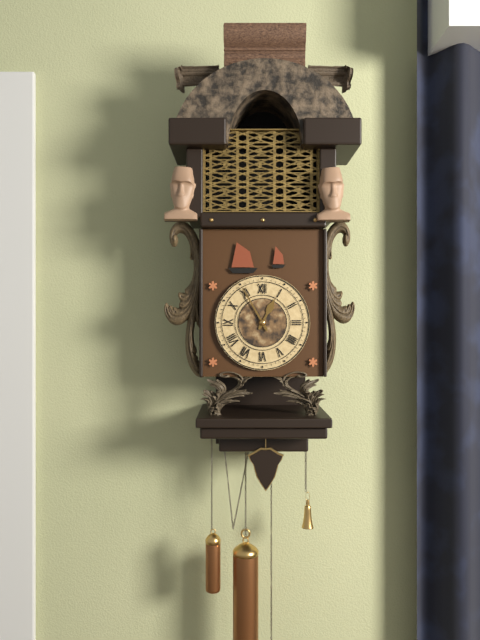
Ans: 12:55
